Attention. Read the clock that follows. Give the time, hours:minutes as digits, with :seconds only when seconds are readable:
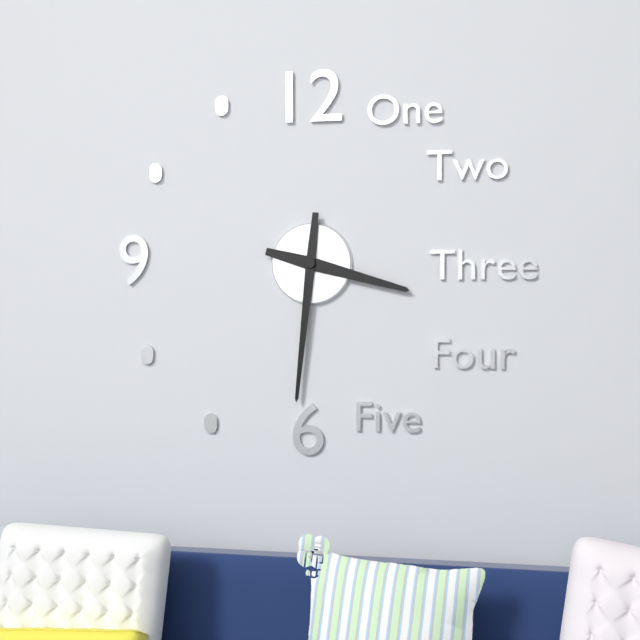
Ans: 3:31
